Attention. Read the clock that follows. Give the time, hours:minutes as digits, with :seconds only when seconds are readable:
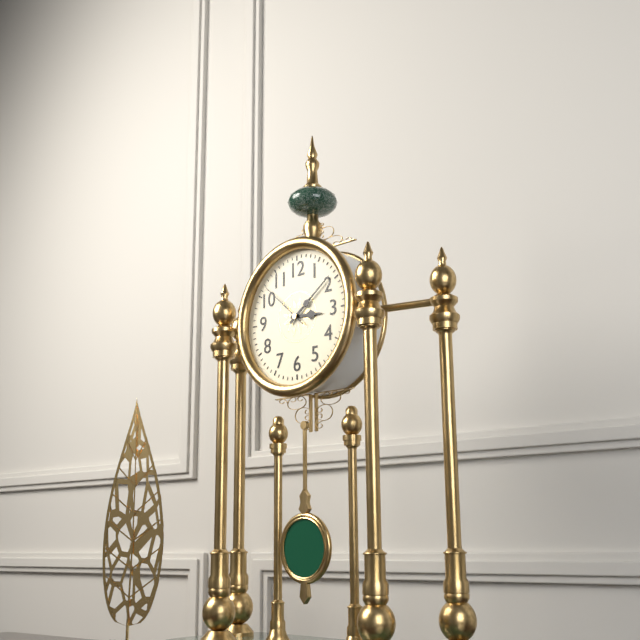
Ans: 3:09
